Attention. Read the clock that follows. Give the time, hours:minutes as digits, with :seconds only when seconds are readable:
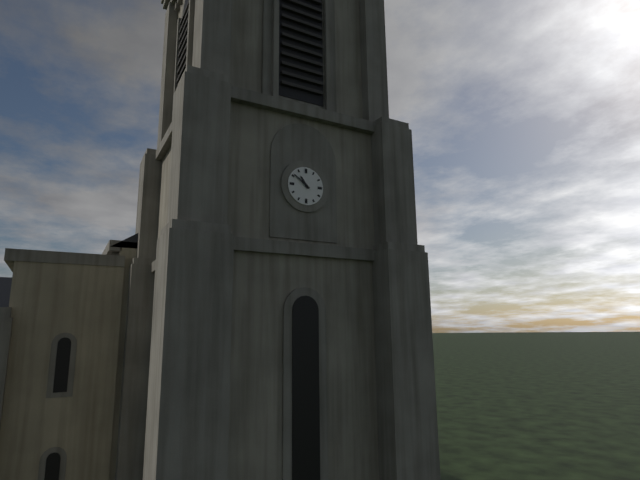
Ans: 10:51
